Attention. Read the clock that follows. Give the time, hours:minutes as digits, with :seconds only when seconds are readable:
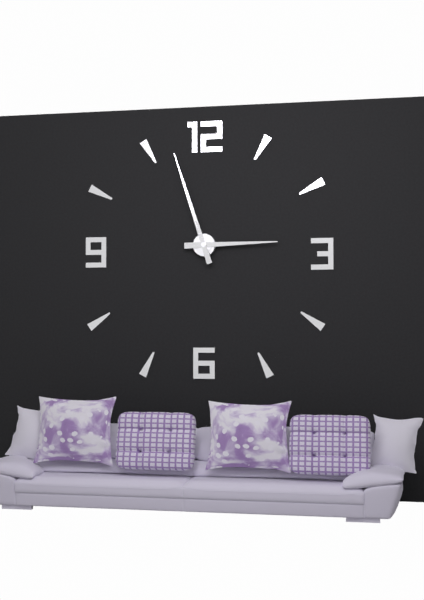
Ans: 2:57
